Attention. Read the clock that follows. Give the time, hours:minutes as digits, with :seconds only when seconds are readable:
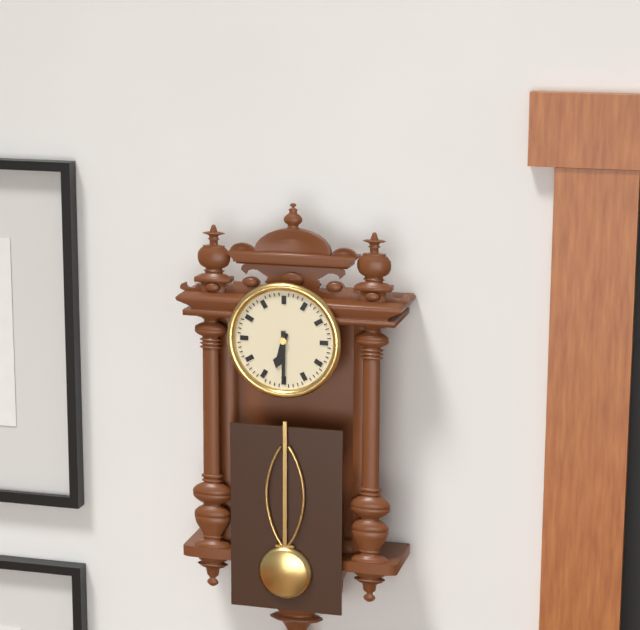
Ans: 6:30
